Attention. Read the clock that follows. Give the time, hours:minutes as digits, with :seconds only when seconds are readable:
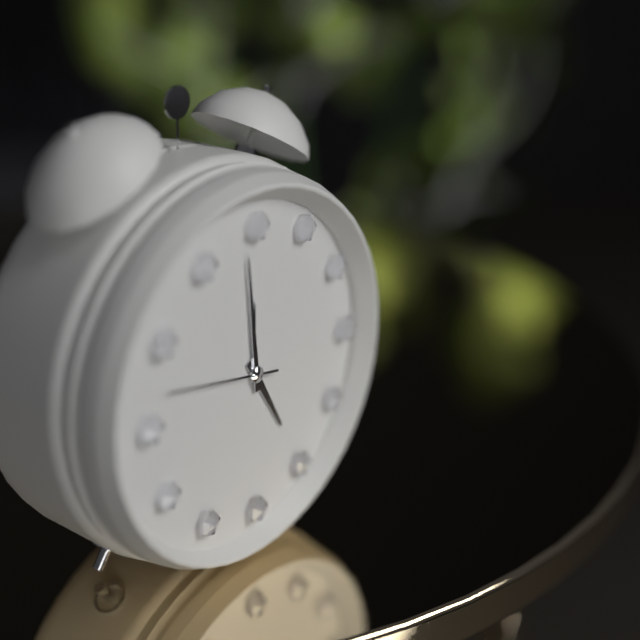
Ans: 4:59:47
